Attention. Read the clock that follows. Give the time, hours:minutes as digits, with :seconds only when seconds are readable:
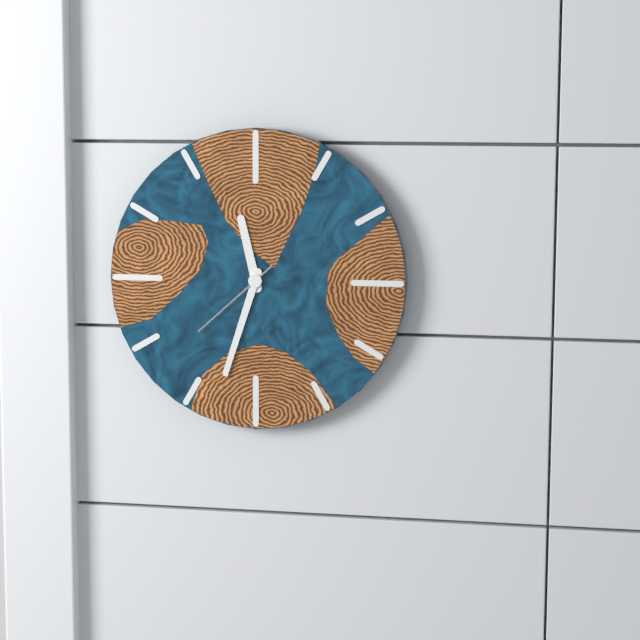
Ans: 11:33:38
